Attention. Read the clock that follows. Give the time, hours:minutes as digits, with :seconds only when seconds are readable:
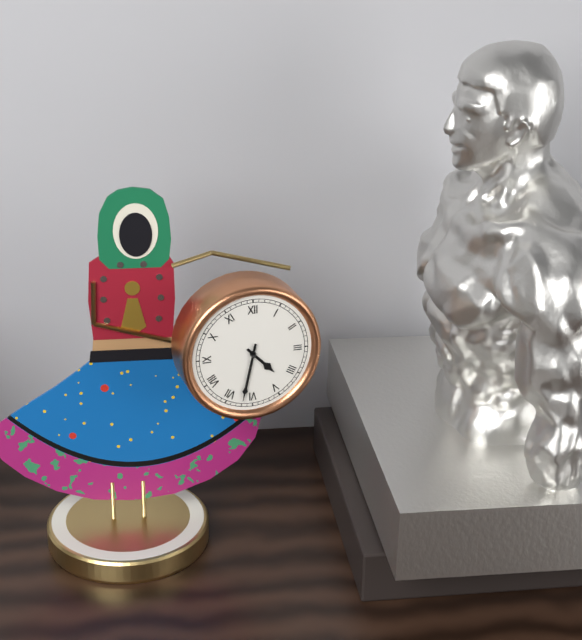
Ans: 4:32
